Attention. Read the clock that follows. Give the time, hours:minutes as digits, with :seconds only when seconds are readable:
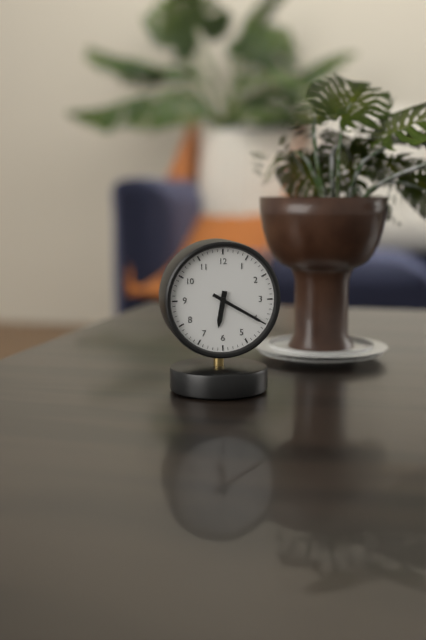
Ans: 6:20
